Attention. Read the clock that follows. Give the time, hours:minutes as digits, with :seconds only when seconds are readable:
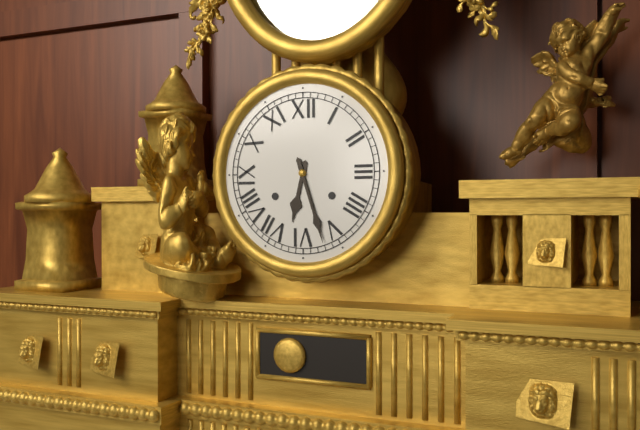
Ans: 6:27
